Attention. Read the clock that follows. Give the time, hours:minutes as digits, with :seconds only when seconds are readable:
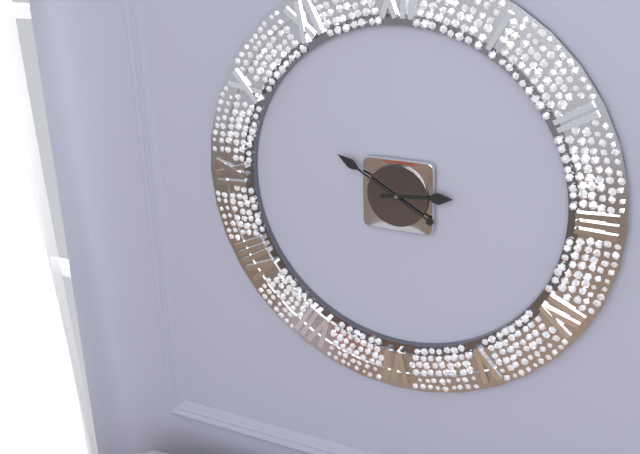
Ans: 2:50
